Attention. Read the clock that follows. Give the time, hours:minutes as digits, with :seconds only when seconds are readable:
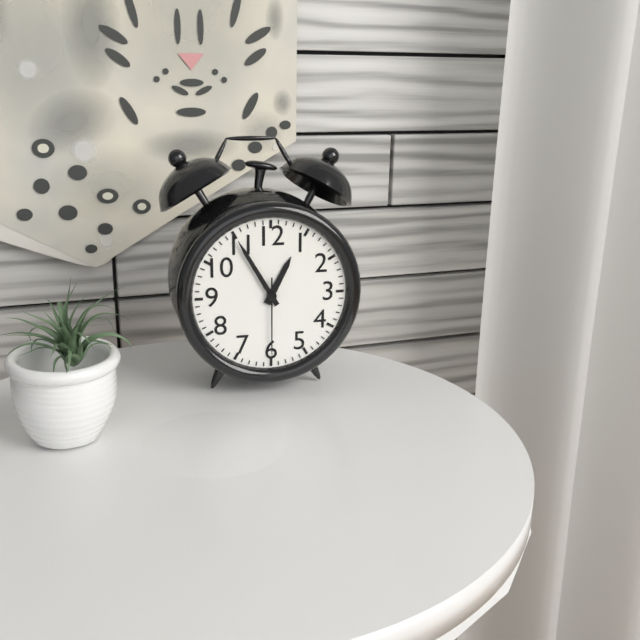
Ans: 12:55:30
